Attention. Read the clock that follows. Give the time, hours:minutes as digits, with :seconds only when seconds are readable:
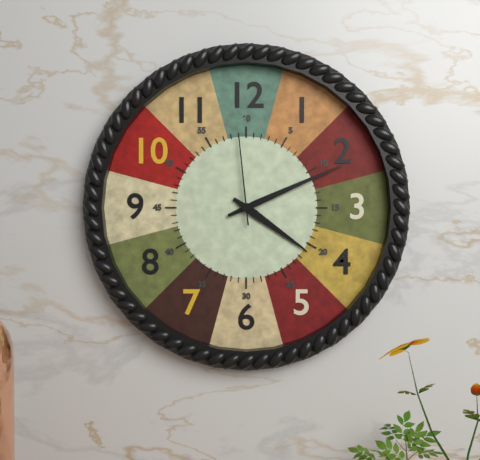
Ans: 4:11:59
